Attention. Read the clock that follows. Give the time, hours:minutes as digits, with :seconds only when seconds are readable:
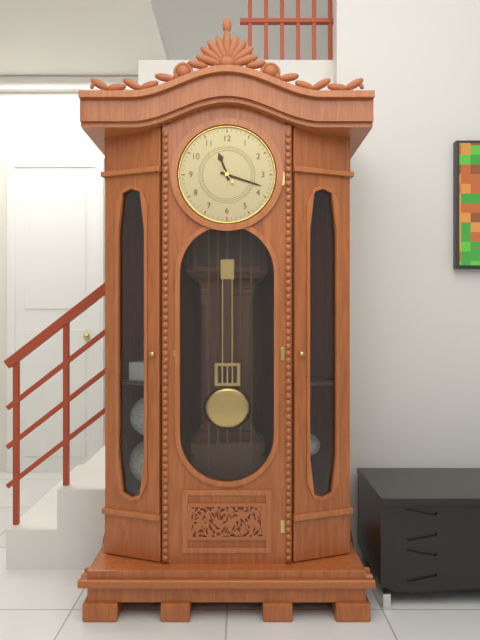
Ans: 11:18:54
